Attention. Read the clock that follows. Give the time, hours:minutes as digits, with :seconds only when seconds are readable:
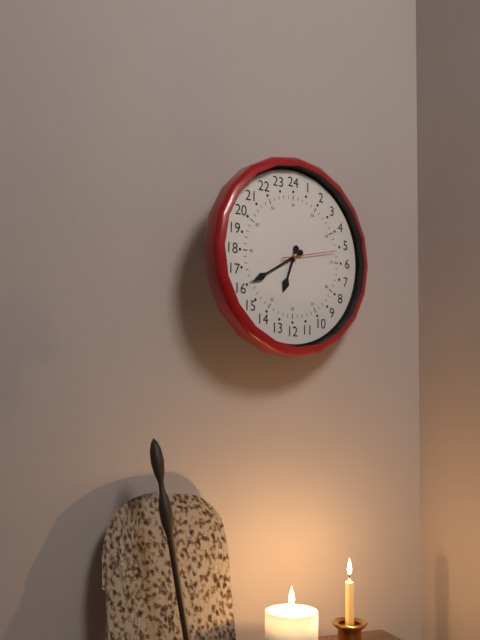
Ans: 6:40:13
